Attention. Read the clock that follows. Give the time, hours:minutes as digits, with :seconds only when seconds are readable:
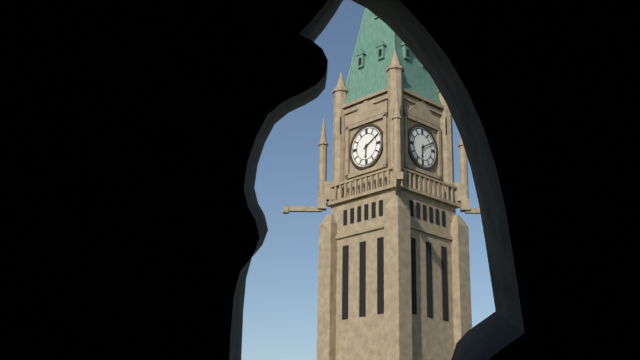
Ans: 6:10
